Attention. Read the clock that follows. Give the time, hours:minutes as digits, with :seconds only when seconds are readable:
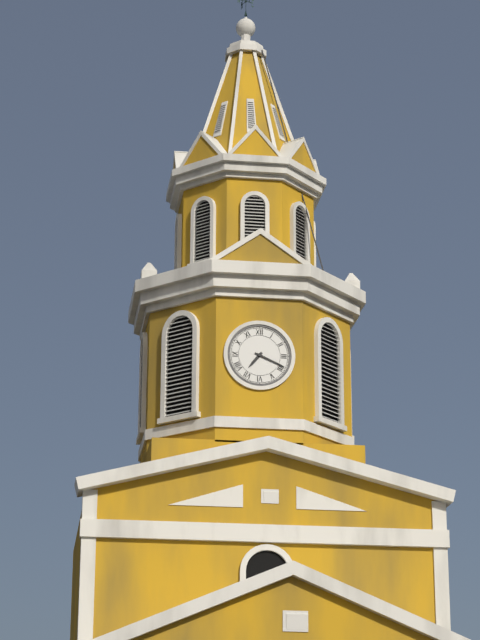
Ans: 7:19
